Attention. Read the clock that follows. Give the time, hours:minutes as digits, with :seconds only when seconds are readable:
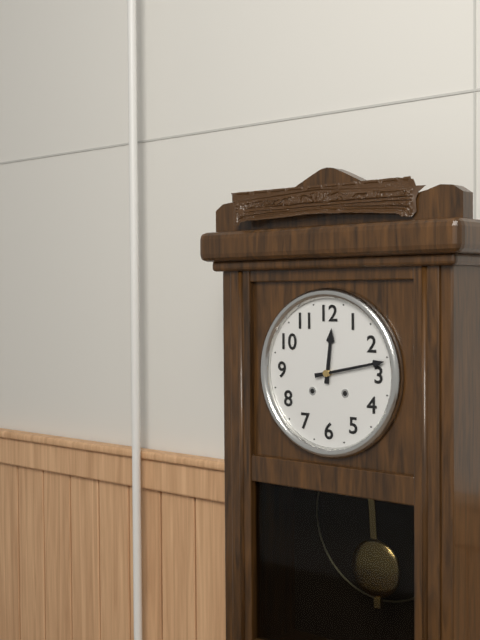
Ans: 12:13
